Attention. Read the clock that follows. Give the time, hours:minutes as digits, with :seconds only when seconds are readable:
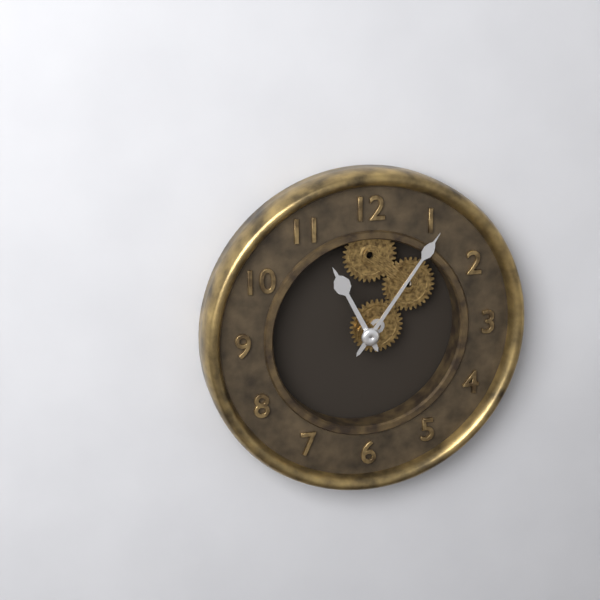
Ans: 11:06
